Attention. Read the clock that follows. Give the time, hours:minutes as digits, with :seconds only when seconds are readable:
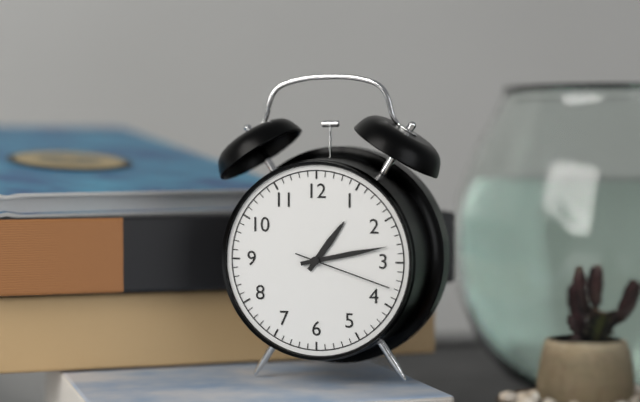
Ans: 1:13:18
